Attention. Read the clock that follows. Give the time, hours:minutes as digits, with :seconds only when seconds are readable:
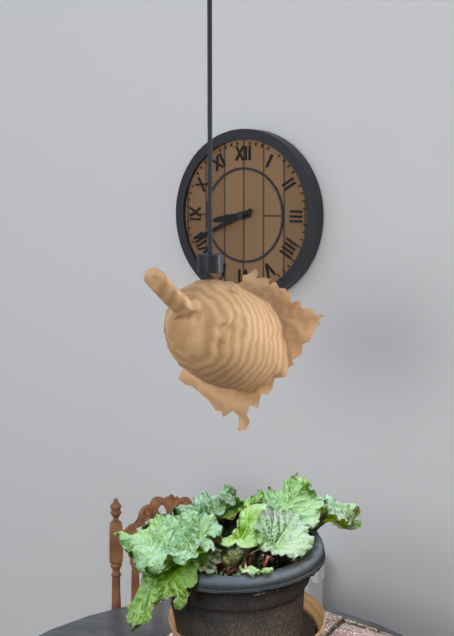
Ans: 8:41
